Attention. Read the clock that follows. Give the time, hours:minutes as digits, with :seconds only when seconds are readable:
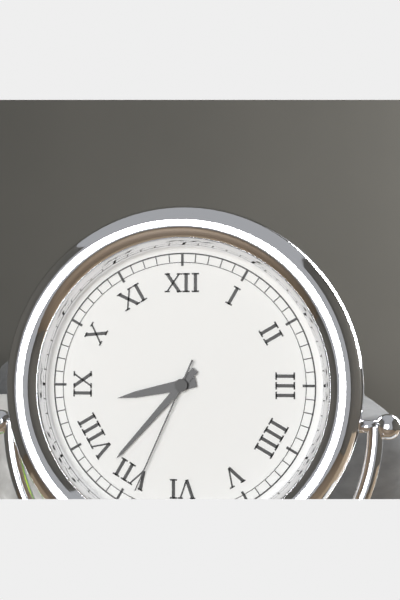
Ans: 8:37:34
